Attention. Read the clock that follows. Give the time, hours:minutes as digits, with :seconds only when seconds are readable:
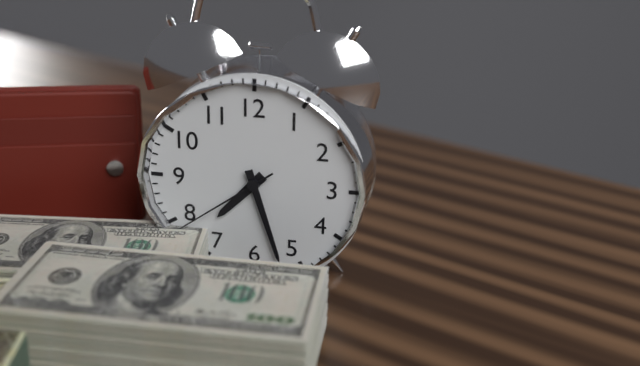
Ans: 7:27:39
